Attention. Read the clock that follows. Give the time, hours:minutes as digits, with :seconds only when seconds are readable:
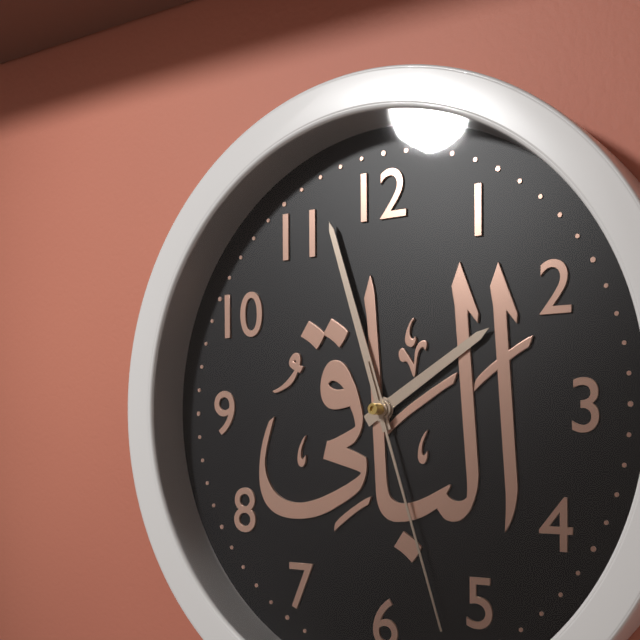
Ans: 1:57:27
